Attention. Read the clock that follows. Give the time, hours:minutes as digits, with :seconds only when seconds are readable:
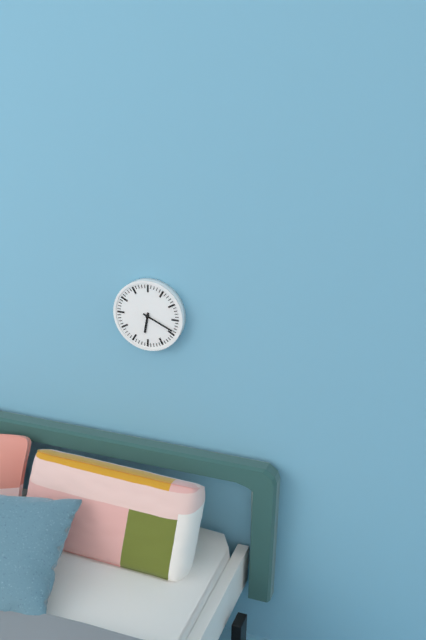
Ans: 6:19
